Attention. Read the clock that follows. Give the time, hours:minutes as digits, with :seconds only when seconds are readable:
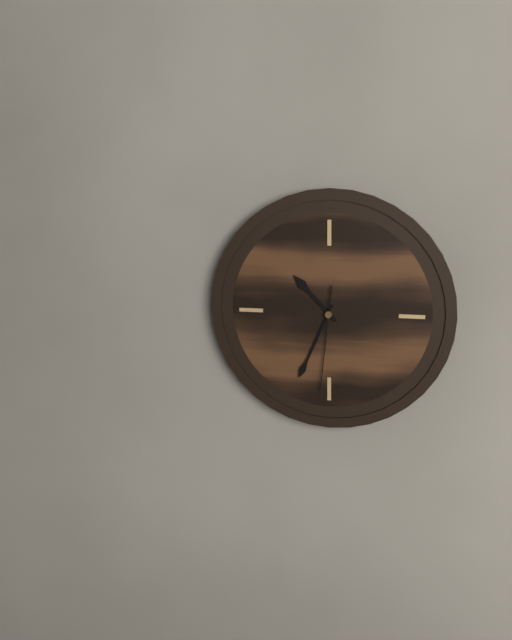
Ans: 10:34:31
